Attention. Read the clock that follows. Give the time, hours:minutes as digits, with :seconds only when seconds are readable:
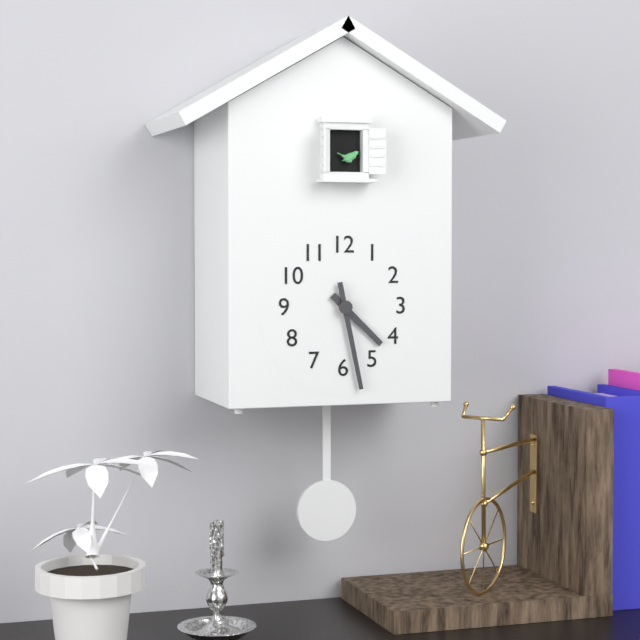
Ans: 4:28
